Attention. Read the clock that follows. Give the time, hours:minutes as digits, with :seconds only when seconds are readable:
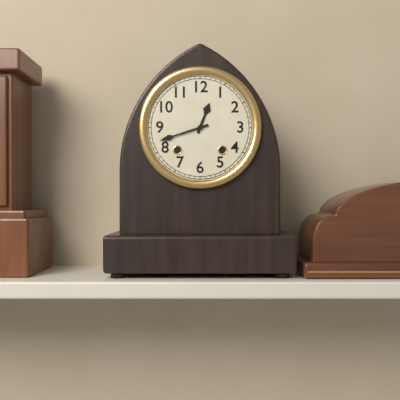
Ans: 12:42
